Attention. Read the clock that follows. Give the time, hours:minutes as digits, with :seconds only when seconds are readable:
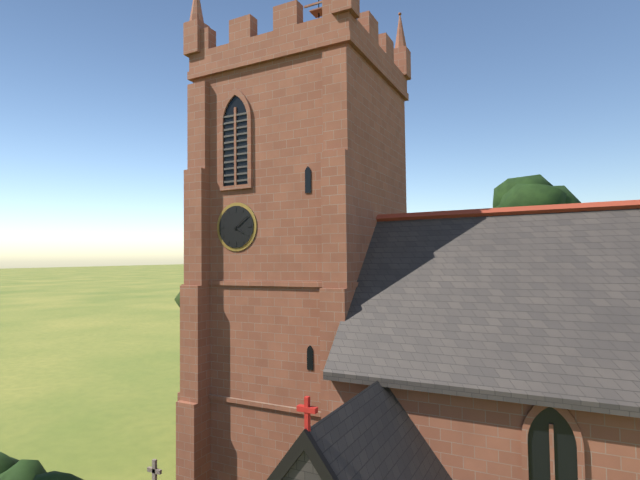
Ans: 4:09
